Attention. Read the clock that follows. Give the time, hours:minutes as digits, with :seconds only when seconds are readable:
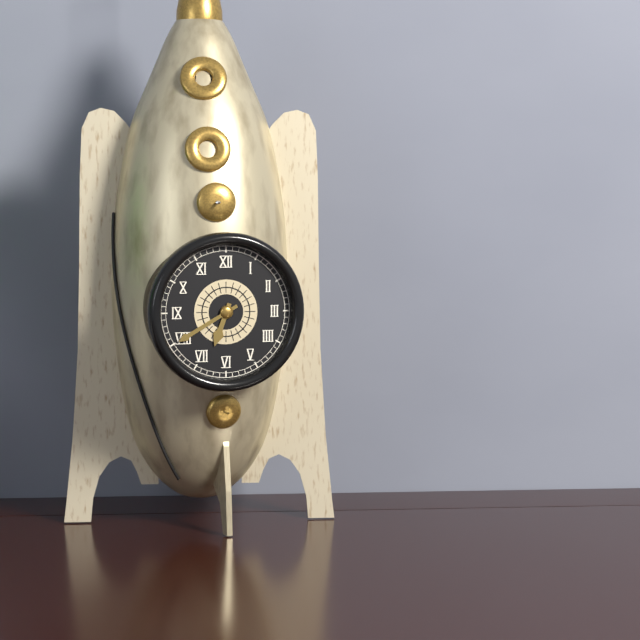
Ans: 6:40
